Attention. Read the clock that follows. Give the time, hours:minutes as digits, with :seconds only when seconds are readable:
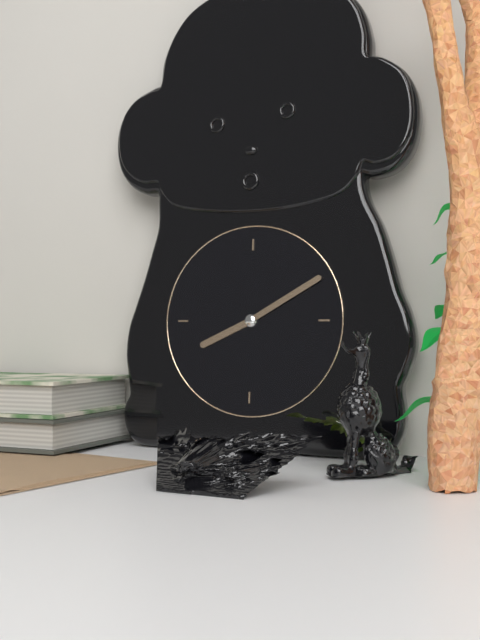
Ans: 8:10
